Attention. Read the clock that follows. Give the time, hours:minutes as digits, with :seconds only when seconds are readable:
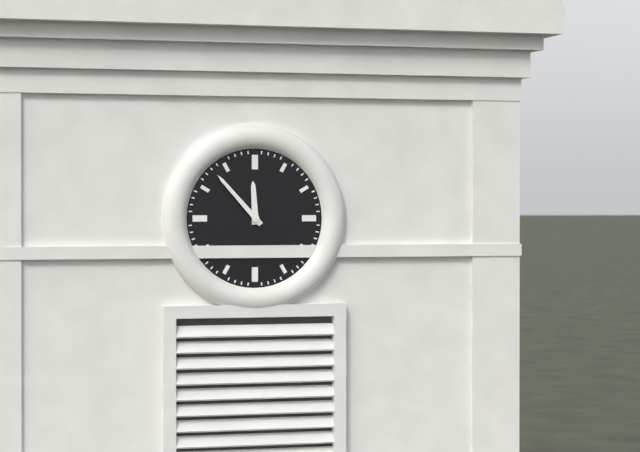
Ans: 11:53
